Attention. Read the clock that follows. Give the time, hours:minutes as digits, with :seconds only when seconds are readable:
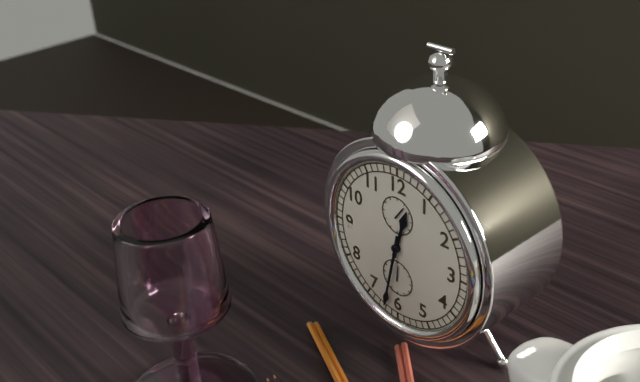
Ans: 12:32
